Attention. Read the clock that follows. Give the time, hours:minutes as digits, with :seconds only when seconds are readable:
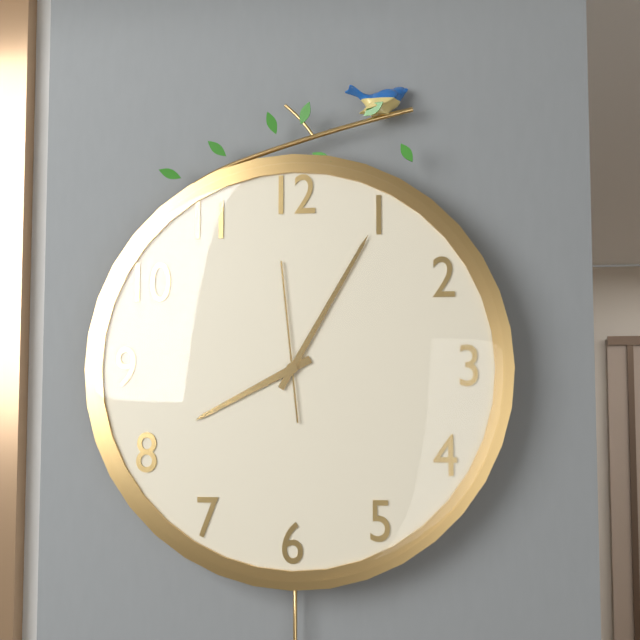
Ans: 8:05:59
